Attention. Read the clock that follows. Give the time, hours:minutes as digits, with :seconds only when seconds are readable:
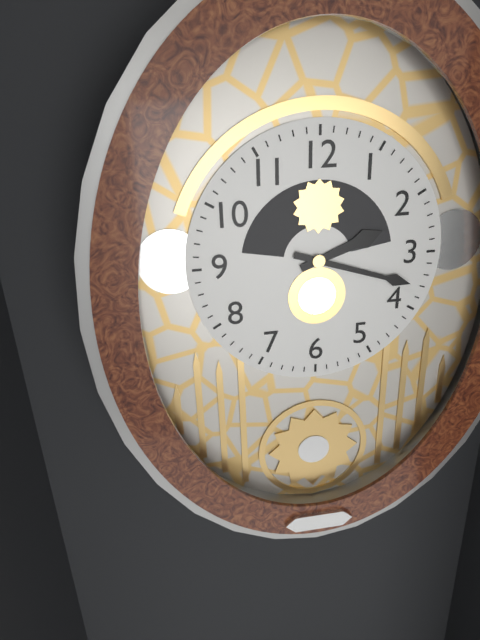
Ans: 2:18
